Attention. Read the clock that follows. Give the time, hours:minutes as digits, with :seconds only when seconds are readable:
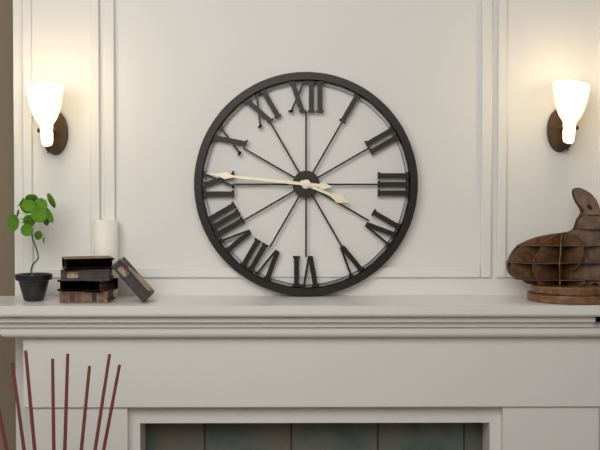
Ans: 3:46
